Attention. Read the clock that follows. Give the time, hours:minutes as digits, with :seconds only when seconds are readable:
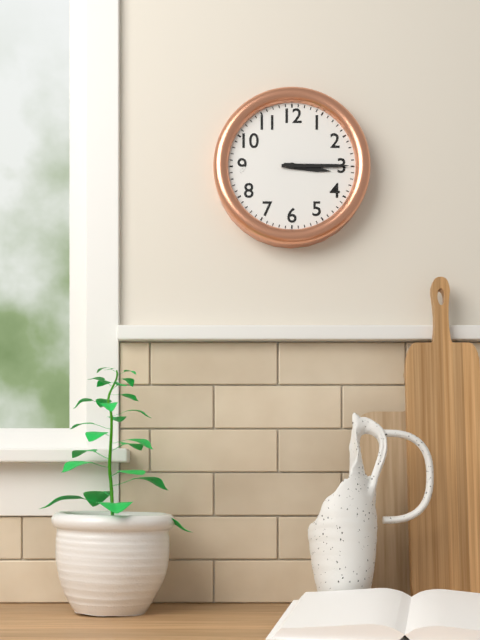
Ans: 3:15
